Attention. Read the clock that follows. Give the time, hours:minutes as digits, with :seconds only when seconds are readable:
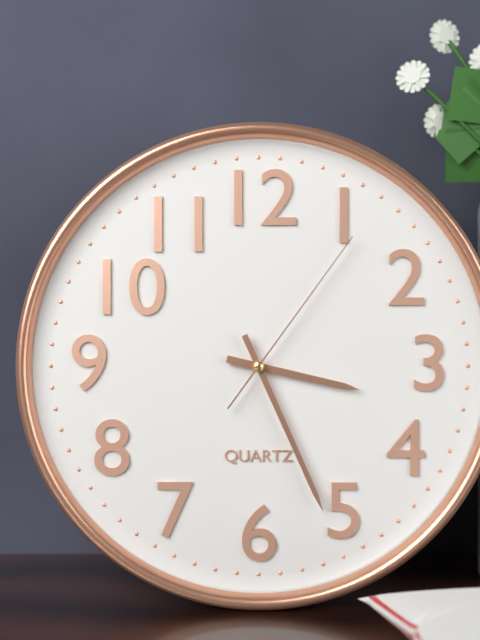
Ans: 3:26:06
